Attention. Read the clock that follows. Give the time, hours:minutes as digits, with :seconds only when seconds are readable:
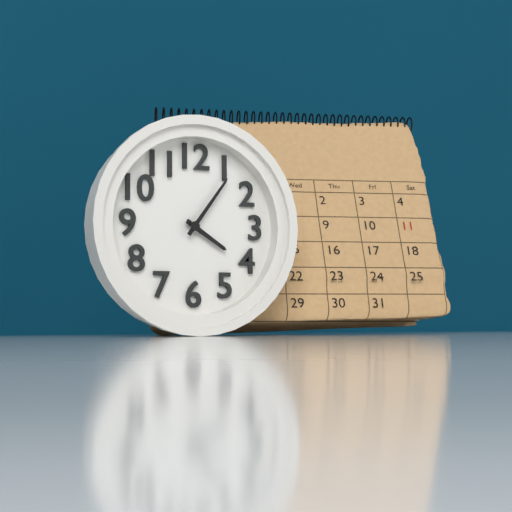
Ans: 4:06
